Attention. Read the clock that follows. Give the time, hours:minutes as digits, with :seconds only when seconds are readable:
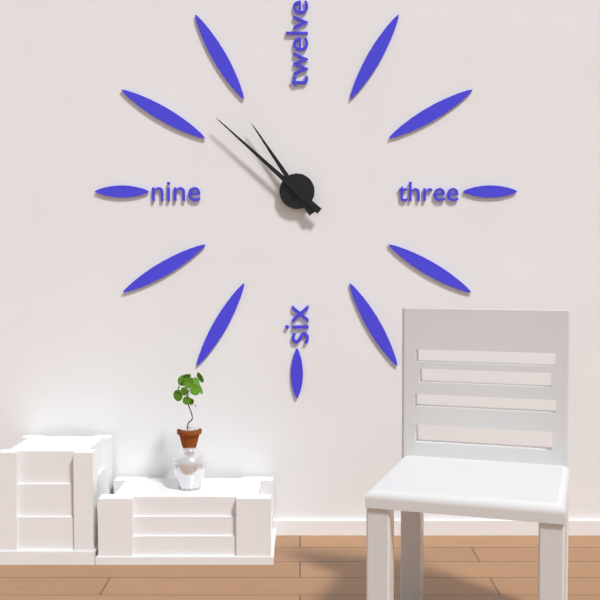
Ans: 10:52
